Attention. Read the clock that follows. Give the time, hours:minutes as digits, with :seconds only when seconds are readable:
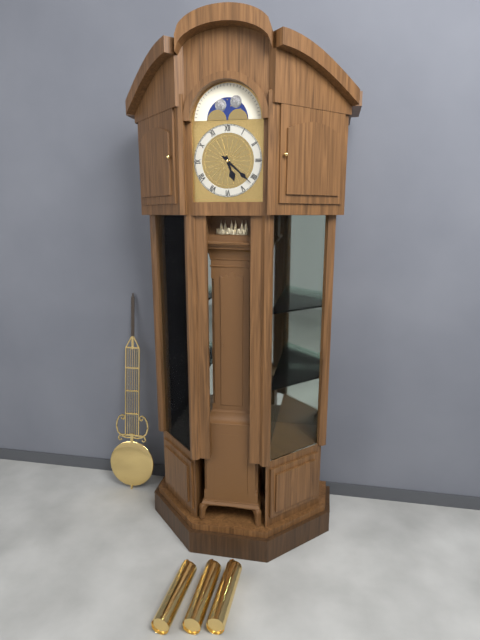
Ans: 5:22
